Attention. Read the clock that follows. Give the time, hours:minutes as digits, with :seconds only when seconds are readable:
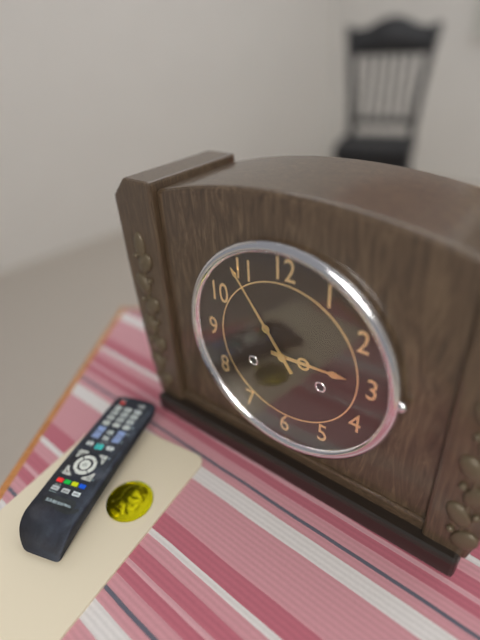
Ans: 2:54
